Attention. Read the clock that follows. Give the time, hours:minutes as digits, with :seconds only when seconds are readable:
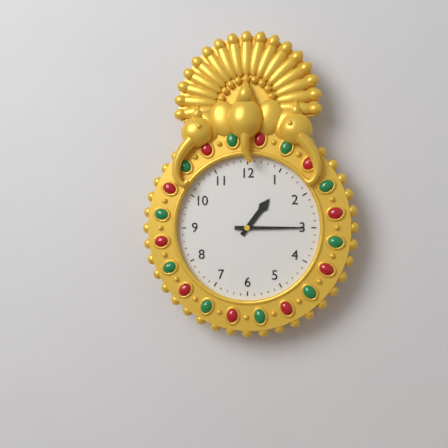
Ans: 1:15
